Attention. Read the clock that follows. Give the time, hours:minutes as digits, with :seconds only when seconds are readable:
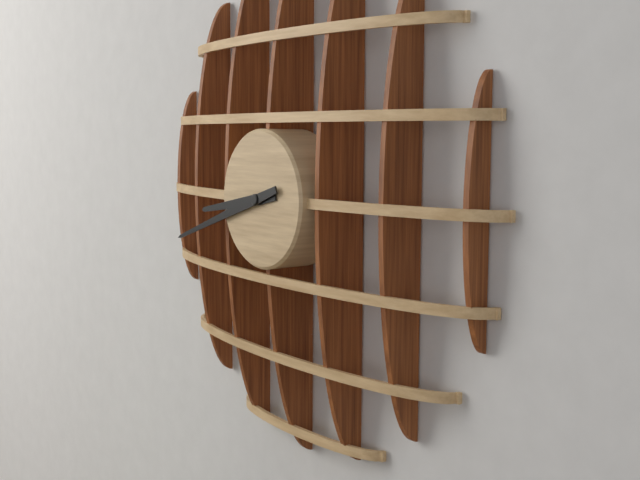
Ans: 8:42
